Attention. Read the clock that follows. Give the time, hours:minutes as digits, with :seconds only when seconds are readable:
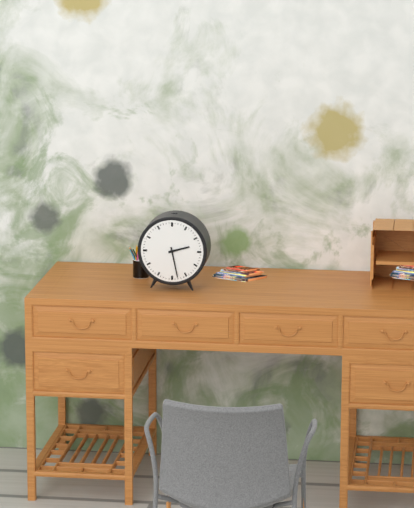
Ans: 2:28
